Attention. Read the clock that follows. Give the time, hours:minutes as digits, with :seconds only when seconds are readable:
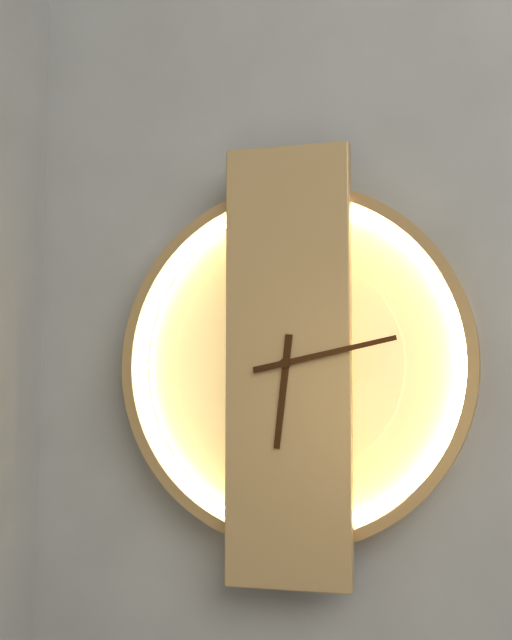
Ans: 6:13
